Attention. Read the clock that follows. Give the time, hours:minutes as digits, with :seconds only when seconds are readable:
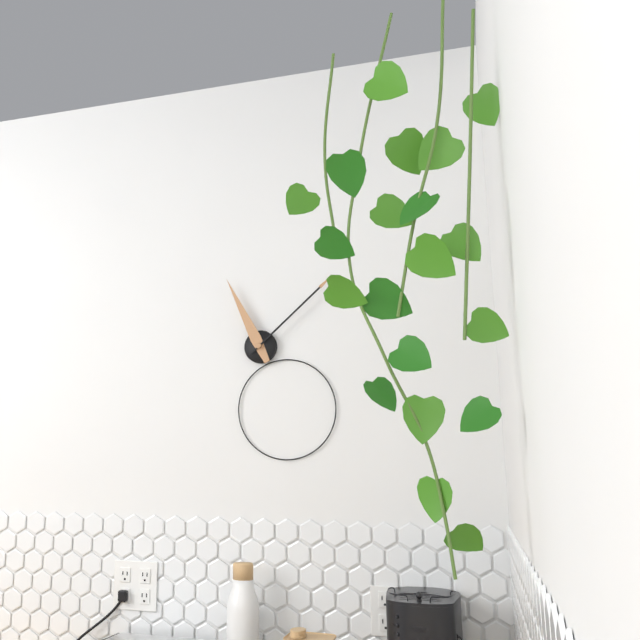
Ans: 11:08
